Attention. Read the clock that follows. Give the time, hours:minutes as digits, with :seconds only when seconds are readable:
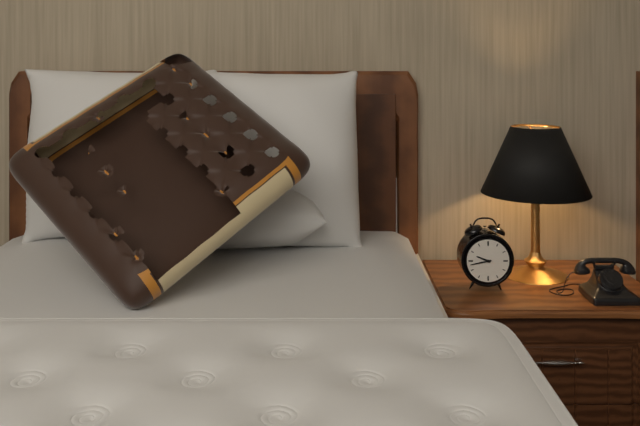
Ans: 9:43
